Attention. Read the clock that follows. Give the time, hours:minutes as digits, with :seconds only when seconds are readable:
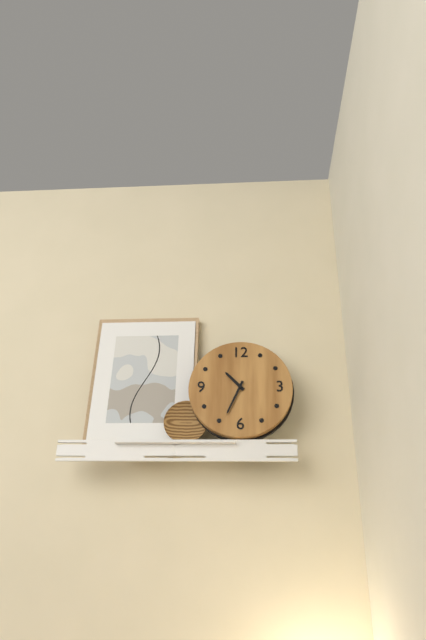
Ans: 10:34
